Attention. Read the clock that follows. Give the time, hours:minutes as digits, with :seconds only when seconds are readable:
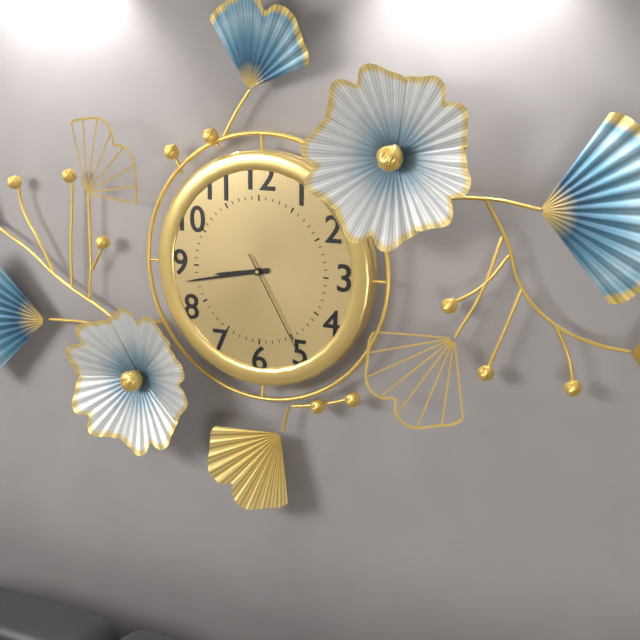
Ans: 8:43:25
